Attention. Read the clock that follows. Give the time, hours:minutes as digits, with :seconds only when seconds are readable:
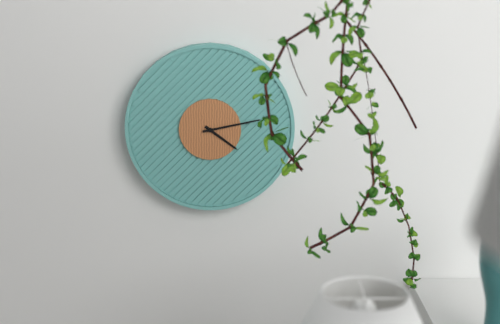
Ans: 4:13
